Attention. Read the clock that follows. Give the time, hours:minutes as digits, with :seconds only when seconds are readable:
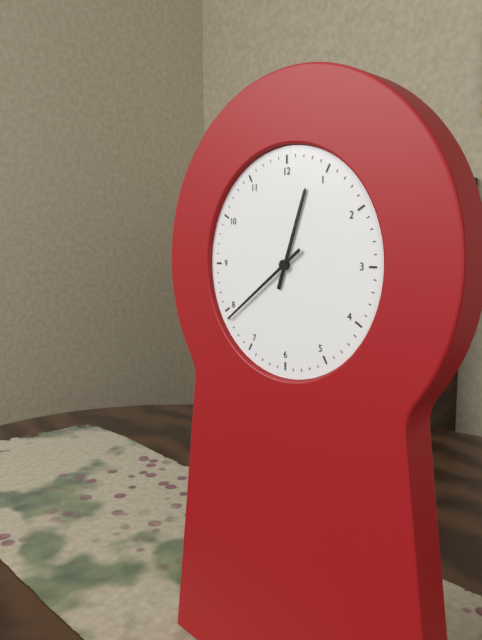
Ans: 12:39
